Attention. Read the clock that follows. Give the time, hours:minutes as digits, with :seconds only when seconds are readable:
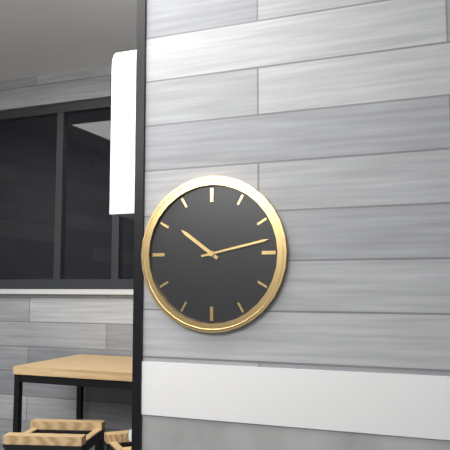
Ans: 10:13
